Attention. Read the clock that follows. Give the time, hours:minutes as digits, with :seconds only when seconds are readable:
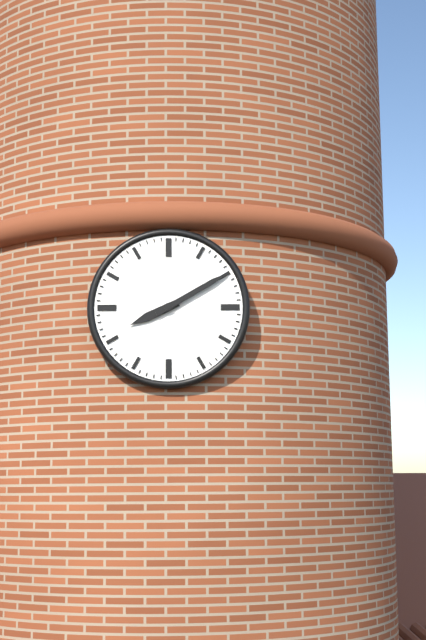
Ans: 8:10
